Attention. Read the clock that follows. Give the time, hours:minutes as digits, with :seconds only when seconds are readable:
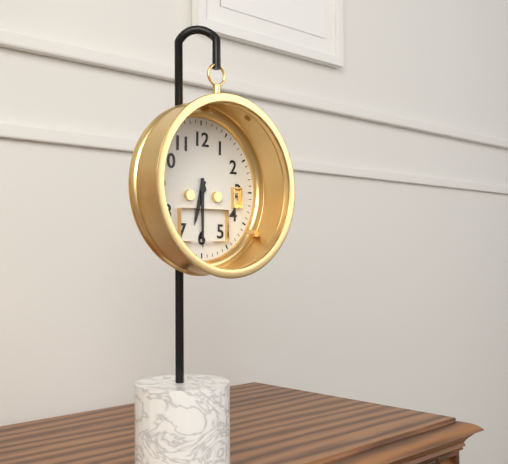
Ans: 6:30
